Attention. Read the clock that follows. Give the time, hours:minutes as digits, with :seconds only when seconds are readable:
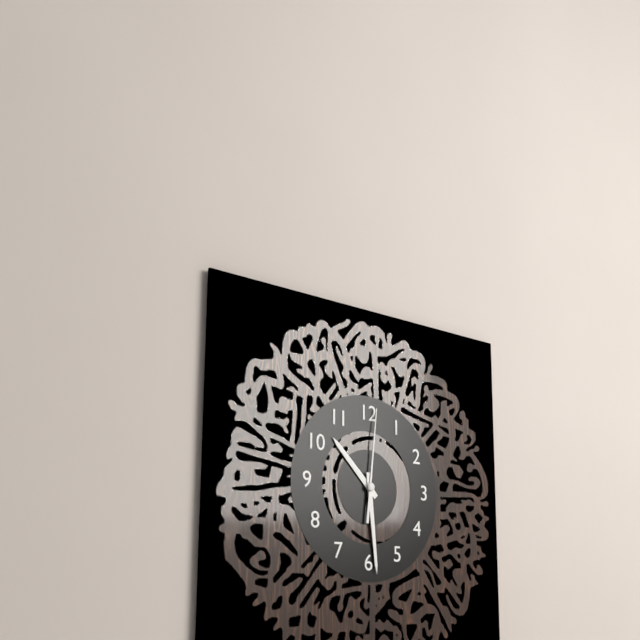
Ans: 10:29:01
